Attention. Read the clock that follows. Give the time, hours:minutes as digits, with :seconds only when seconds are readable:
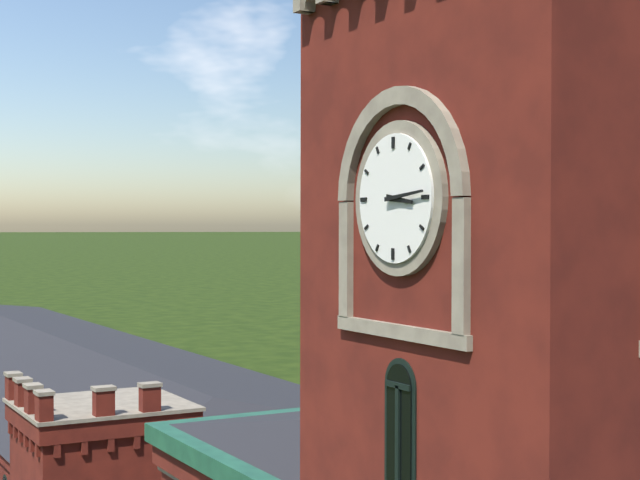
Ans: 3:14
